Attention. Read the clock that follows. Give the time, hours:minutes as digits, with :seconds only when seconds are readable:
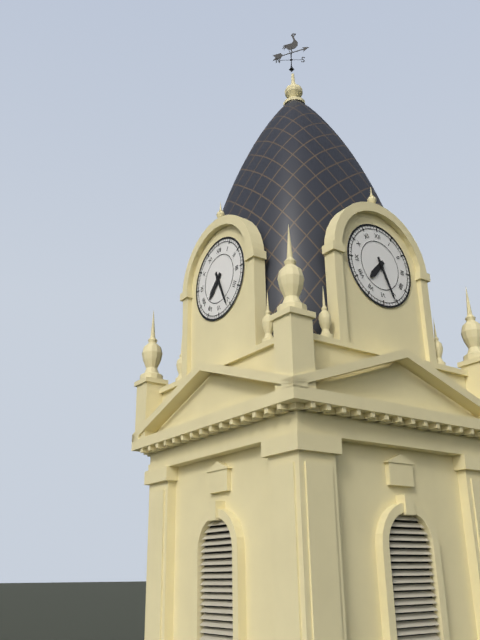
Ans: 7:26
